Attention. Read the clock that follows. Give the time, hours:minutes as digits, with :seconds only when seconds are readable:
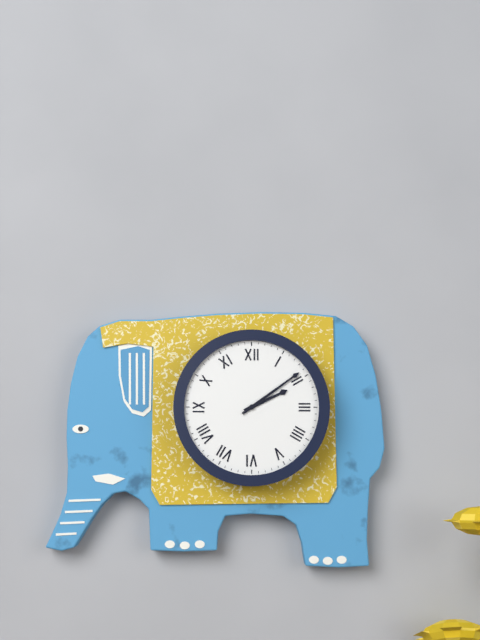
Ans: 2:09
